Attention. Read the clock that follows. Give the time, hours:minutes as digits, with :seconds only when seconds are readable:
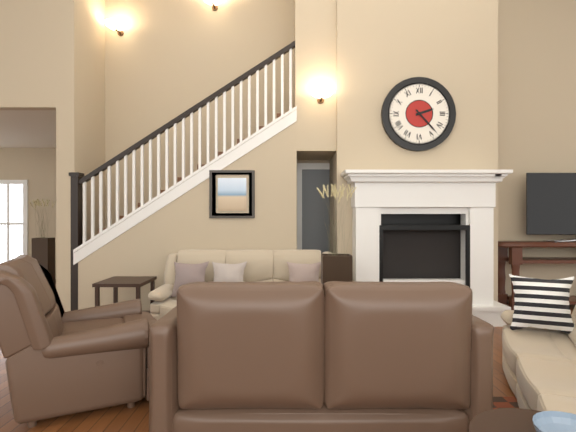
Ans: 2:23
